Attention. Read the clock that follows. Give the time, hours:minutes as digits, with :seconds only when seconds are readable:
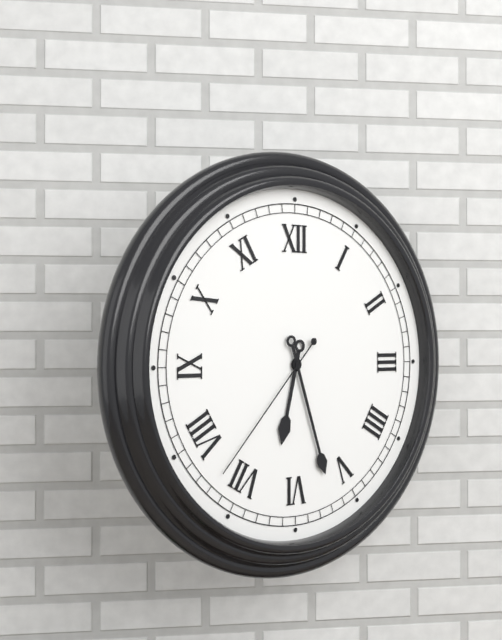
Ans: 6:27:37
